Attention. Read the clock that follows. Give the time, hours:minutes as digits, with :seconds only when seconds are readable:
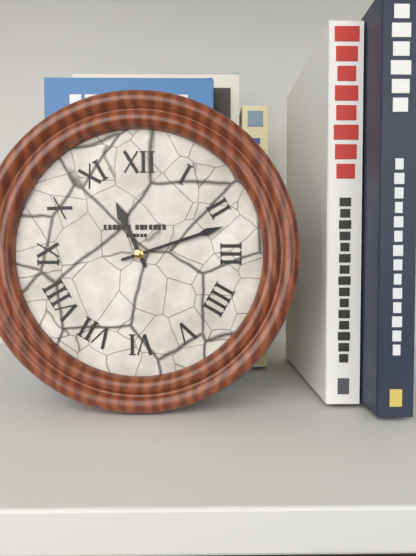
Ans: 11:12
